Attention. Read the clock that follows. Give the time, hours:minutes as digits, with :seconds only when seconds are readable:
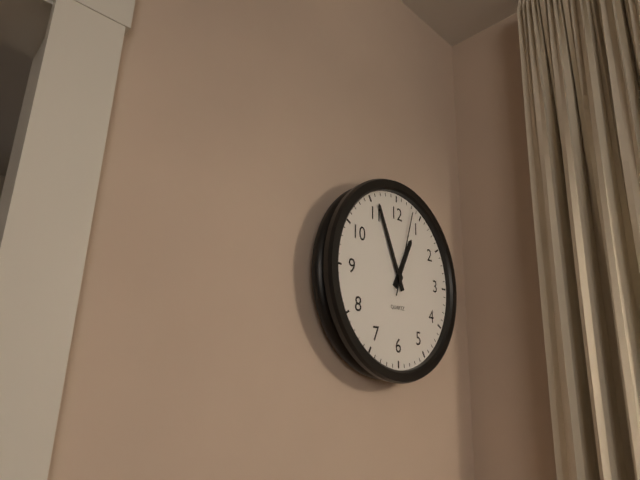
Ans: 12:56:03
